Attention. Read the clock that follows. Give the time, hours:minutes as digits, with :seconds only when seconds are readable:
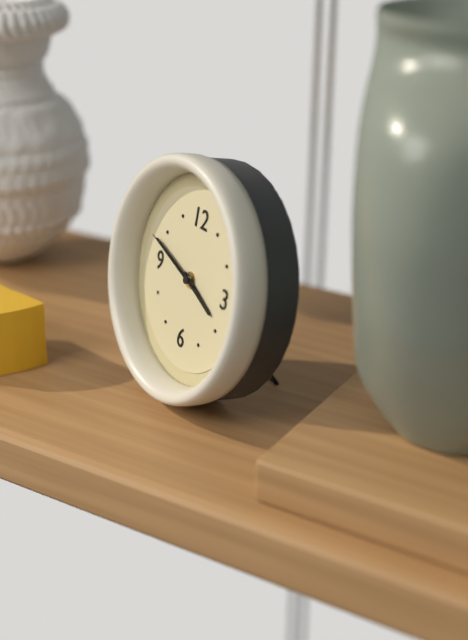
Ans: 3:48:48
